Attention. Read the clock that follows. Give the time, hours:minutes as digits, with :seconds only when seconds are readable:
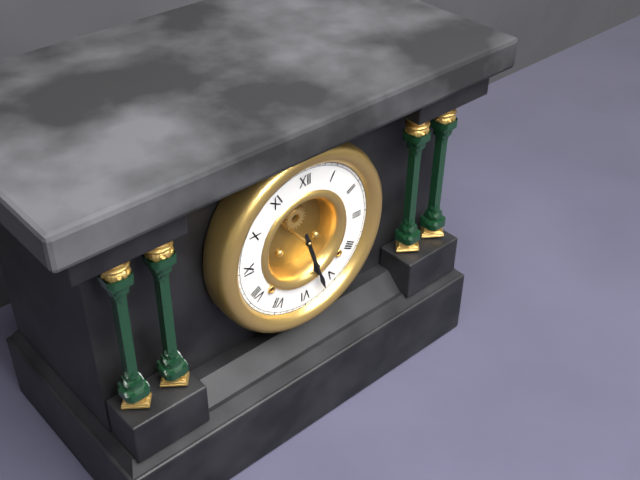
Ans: 5:27
